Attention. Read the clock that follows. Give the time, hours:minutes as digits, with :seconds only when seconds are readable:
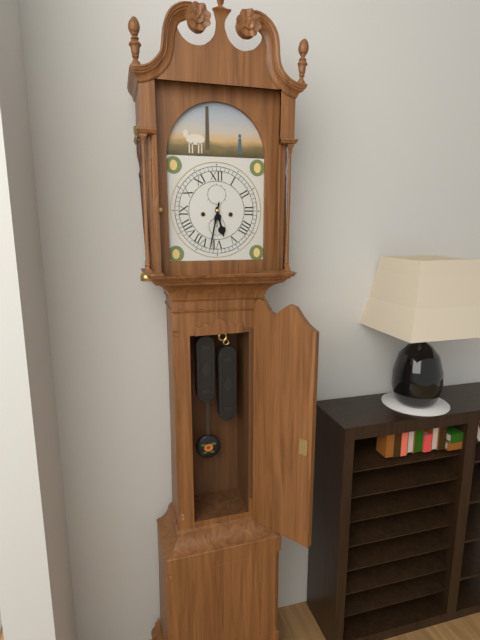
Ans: 5:32
